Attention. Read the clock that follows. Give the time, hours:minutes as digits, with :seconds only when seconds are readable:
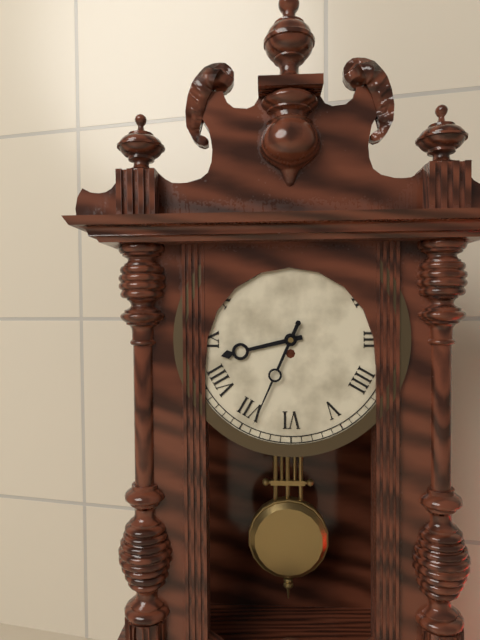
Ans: 8:34
